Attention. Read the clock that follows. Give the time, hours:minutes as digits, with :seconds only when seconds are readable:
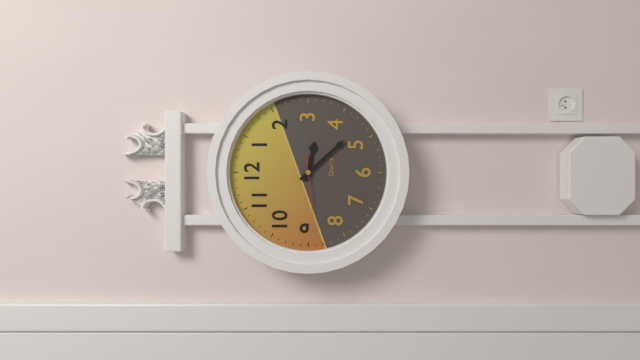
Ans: 3:23:44
